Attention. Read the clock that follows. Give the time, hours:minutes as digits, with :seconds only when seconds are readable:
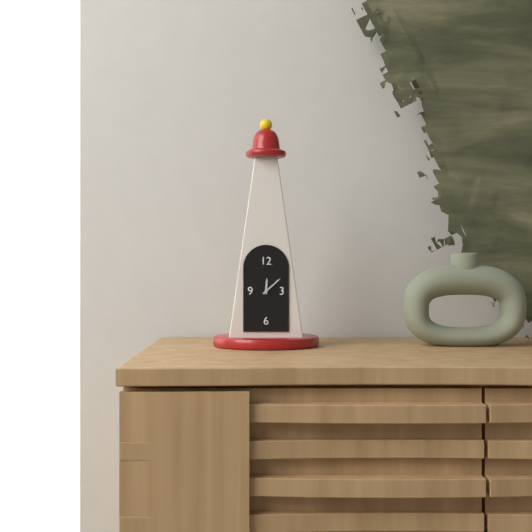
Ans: 12:08
